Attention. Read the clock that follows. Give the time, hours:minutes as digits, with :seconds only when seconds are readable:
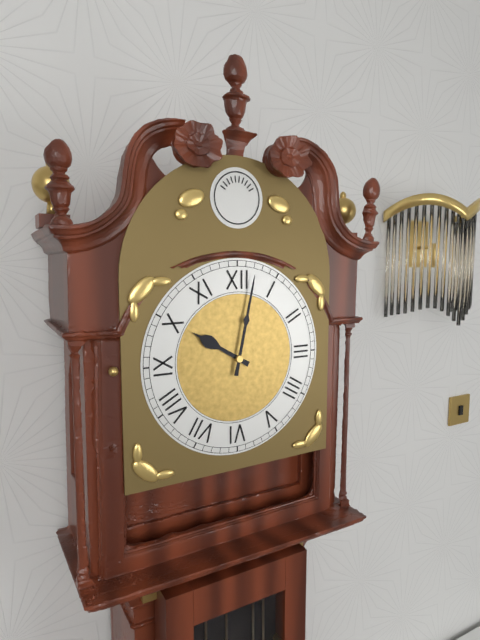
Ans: 10:02
